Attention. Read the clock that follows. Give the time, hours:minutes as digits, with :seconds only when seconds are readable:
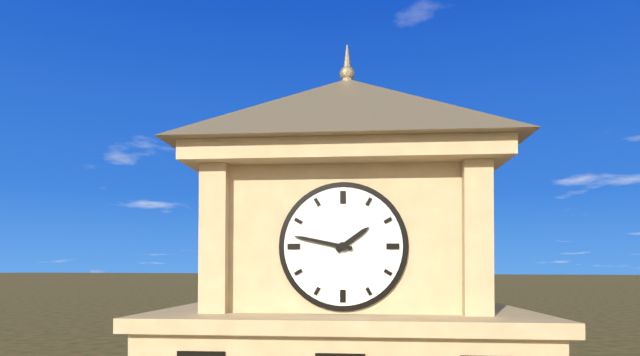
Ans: 1:47
